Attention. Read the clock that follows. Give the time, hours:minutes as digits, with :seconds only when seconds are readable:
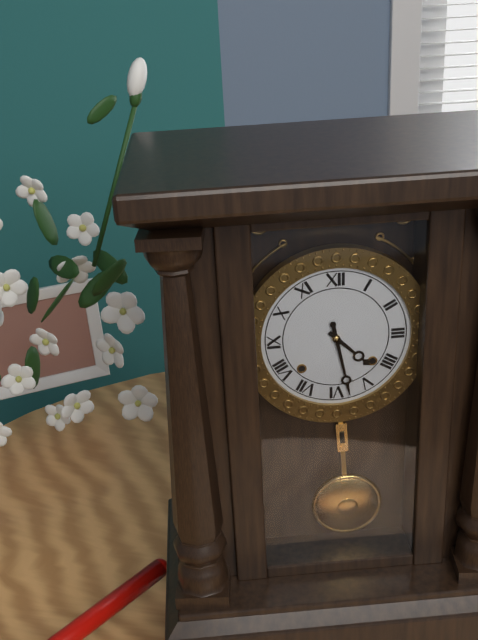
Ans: 4:28
